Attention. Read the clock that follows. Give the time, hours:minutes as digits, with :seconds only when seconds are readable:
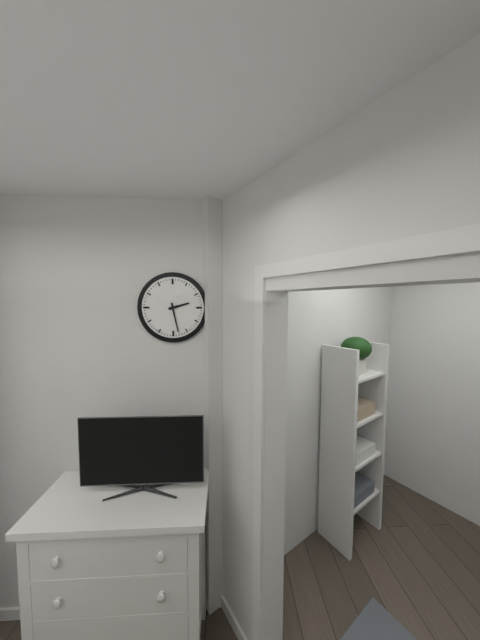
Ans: 2:28
